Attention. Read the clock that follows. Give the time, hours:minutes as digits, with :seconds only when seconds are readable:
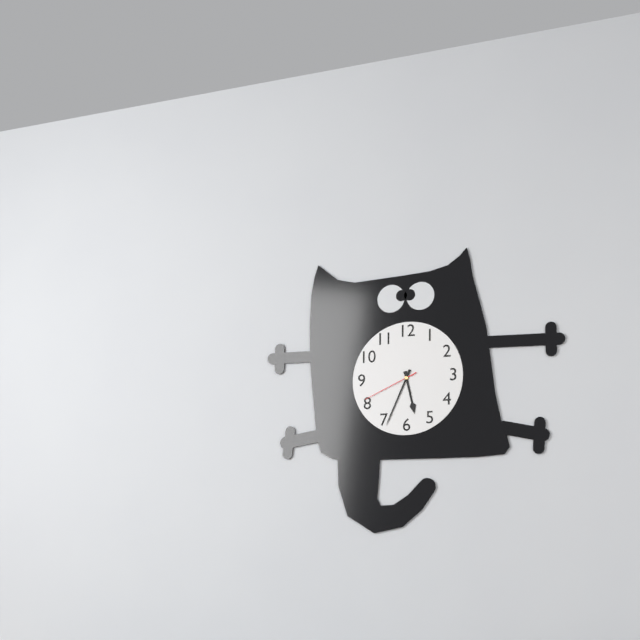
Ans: 5:34:41
